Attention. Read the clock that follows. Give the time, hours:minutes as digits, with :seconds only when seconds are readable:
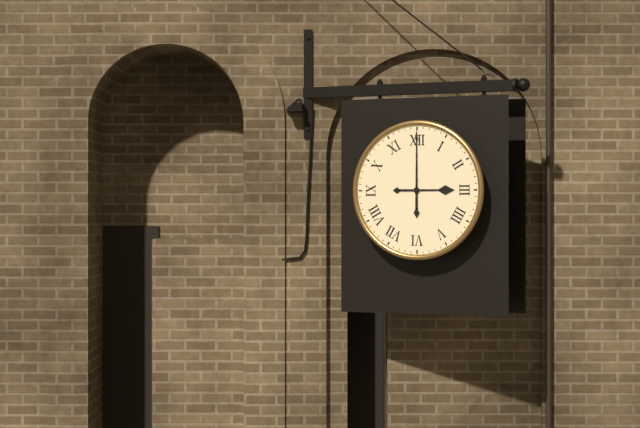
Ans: 3:00
